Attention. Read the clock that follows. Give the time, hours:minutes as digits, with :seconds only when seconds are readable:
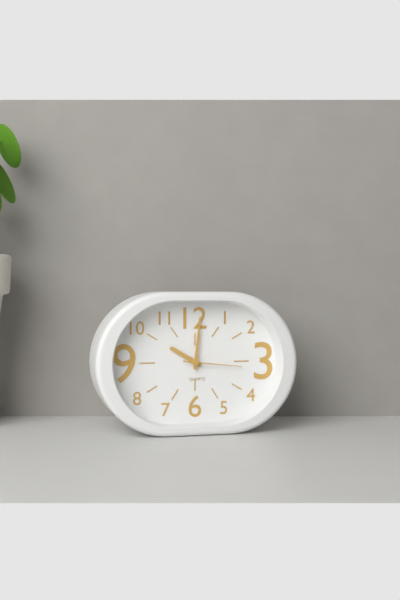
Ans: 10:01:16
